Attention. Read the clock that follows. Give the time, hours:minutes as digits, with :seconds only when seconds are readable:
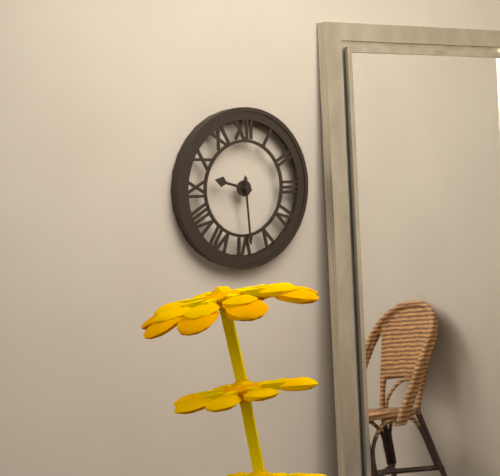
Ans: 9:29
